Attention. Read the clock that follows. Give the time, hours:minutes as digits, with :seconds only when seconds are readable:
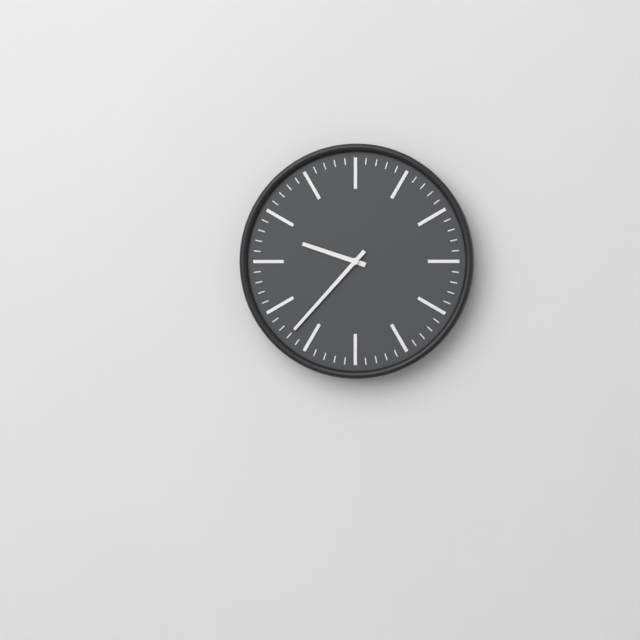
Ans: 9:37
